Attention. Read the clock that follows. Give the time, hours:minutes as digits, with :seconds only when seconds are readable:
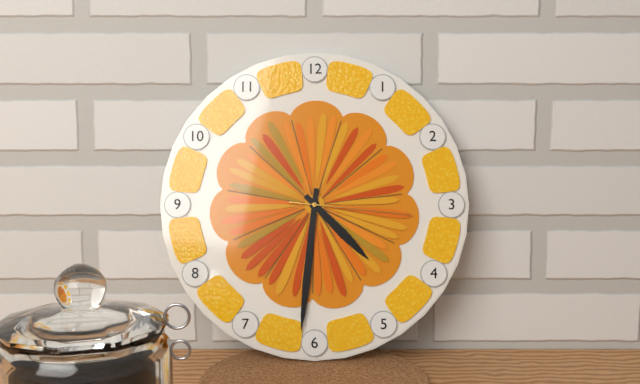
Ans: 4:31:16
